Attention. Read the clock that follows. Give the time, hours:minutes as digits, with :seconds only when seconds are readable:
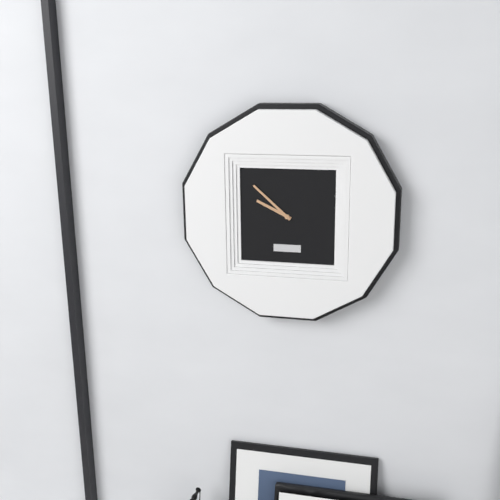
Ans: 9:52
